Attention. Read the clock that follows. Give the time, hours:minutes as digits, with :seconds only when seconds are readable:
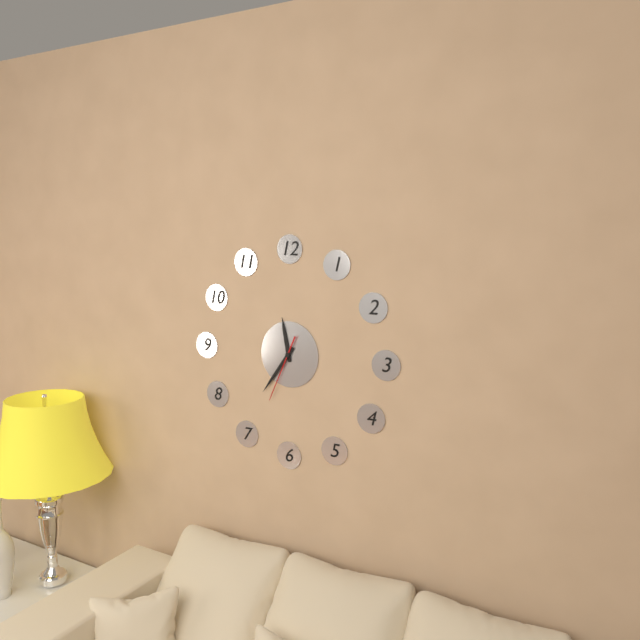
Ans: 11:36:34
